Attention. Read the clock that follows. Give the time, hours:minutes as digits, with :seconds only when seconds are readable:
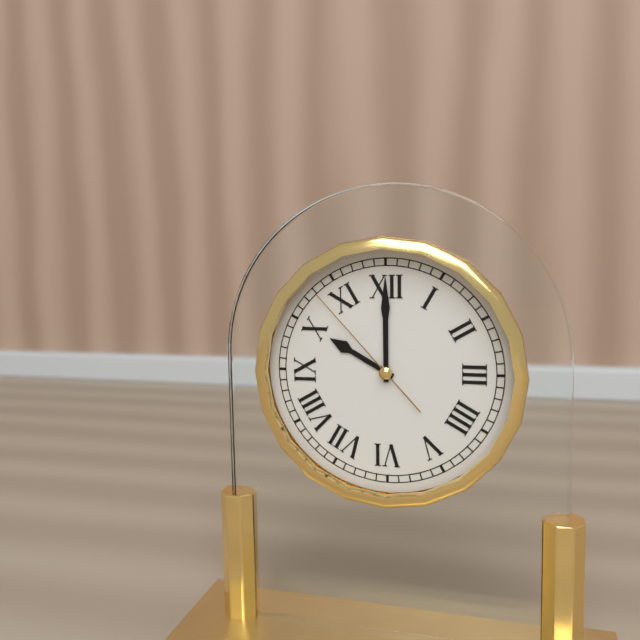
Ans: 10:00:53
